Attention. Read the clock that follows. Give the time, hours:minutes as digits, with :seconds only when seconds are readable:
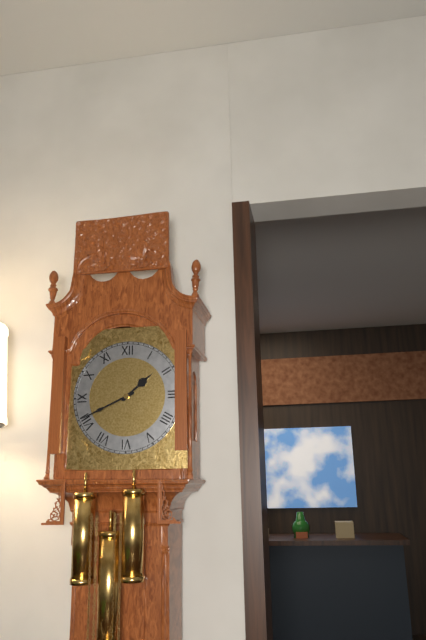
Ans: 1:41
